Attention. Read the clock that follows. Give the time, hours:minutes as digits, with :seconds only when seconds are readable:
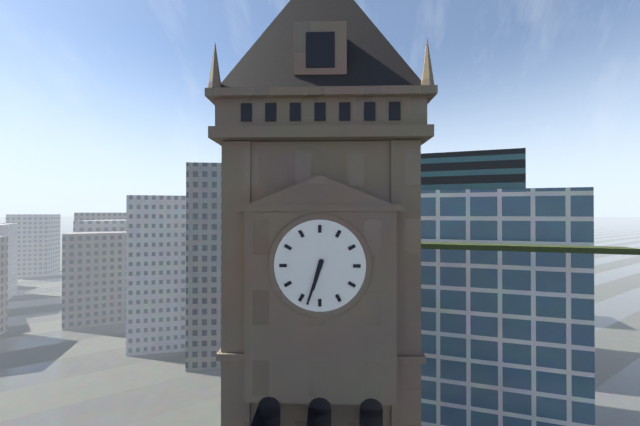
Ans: 6:33
